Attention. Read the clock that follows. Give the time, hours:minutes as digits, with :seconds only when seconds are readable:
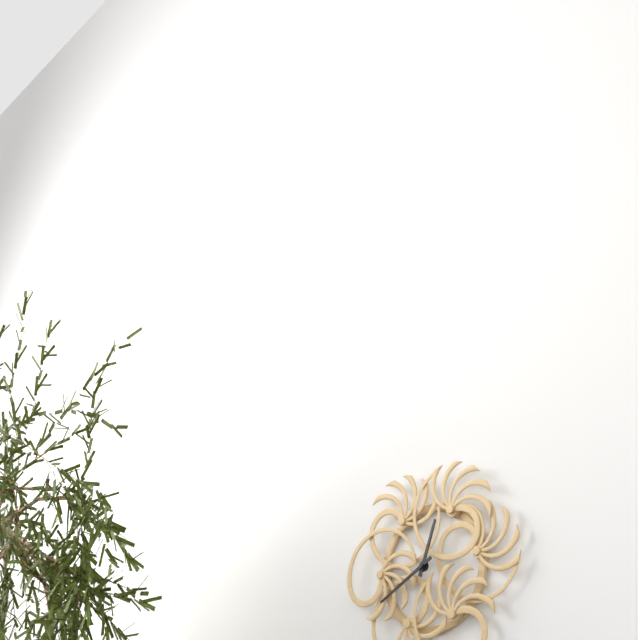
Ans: 12:40
